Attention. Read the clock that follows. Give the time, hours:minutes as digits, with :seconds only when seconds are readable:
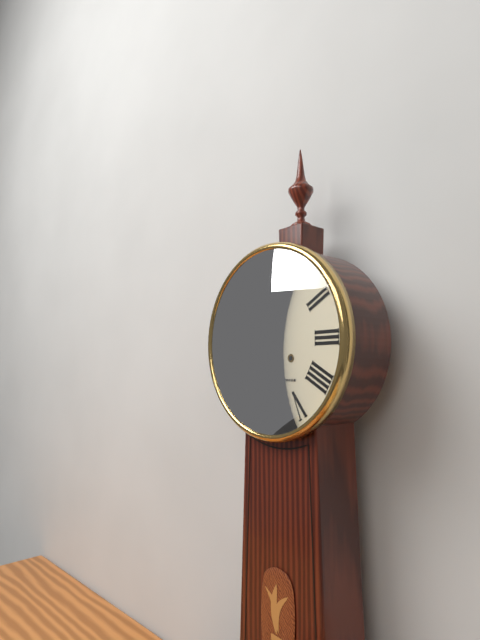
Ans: 9:49
